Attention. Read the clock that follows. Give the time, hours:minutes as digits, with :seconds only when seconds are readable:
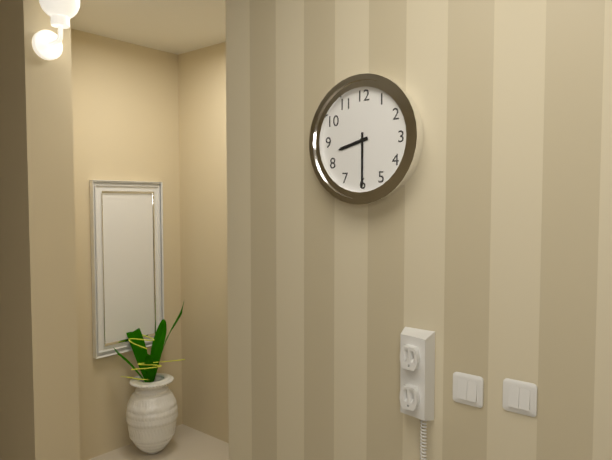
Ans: 8:30
